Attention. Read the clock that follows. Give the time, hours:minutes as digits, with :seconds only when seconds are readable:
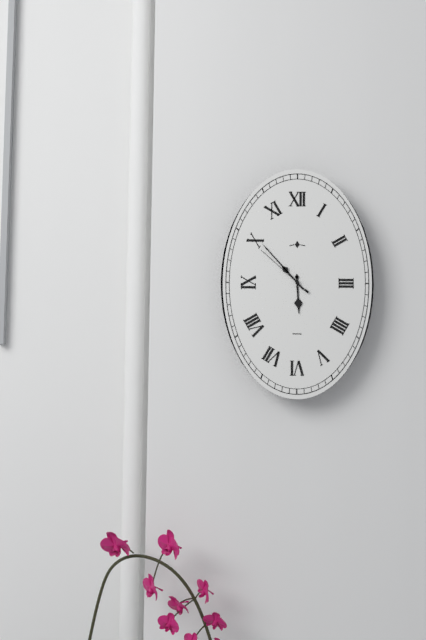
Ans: 5:53:52
